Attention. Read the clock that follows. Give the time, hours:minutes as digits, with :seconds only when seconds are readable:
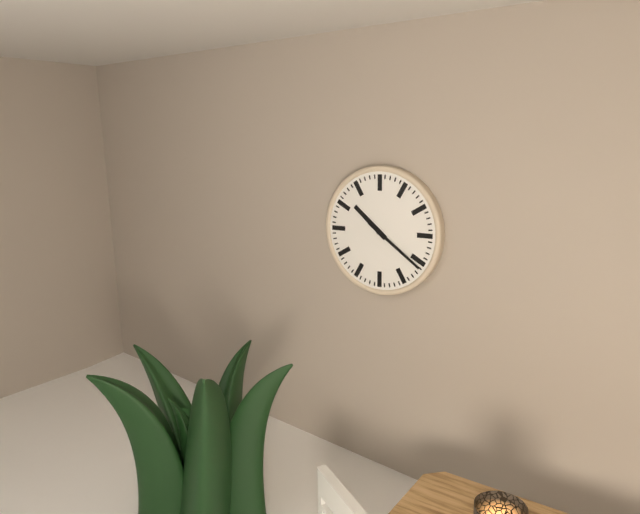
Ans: 10:21
